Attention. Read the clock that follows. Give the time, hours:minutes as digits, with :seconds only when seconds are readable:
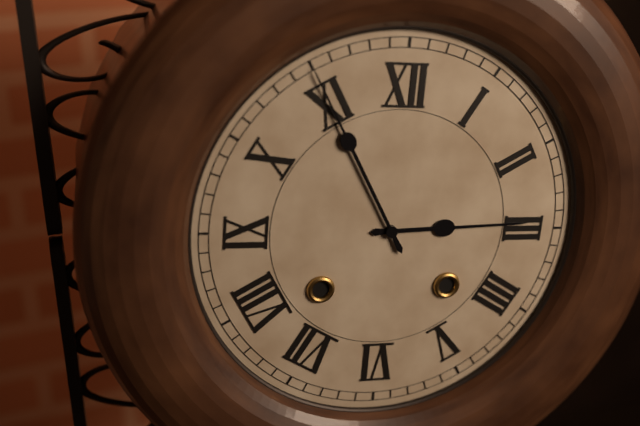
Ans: 2:55
